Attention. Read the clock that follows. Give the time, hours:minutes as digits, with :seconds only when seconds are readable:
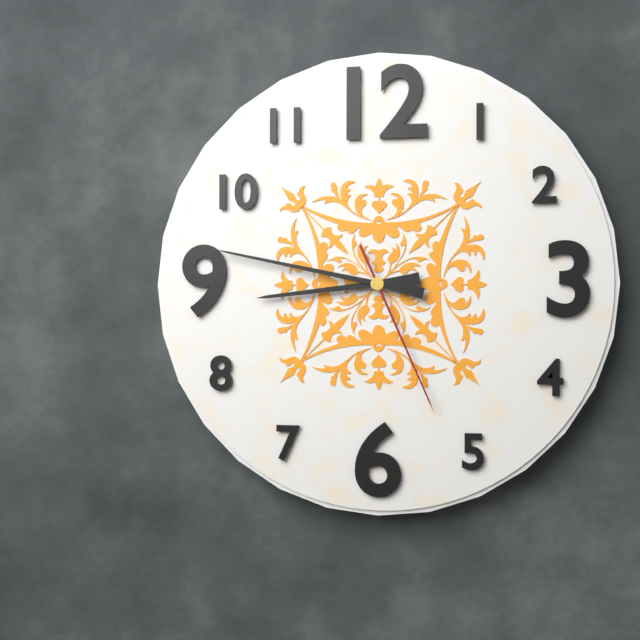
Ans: 8:47:26
